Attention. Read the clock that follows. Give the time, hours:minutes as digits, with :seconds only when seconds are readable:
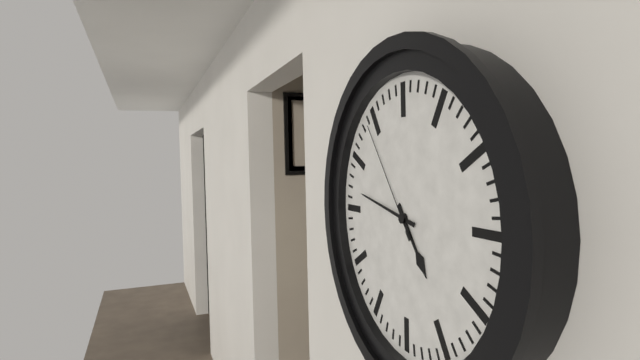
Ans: 4:47:54
